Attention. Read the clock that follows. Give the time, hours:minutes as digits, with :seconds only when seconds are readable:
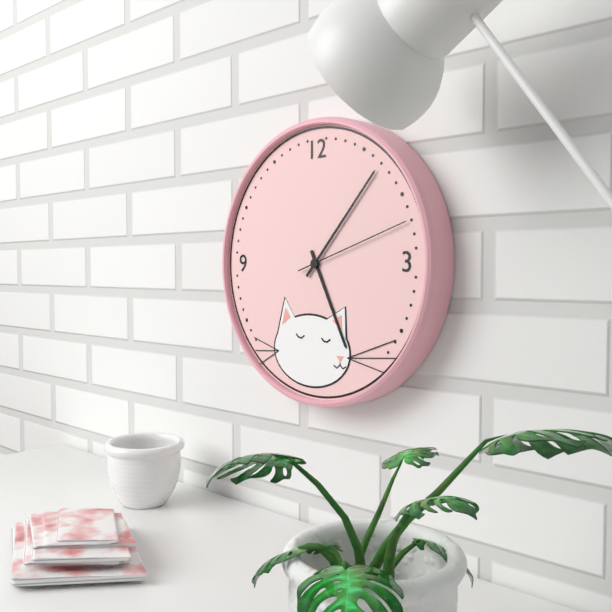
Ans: 5:07:12
